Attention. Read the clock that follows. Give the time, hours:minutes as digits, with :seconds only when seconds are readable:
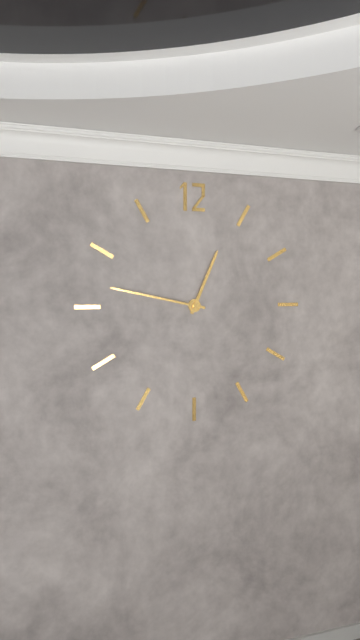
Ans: 12:47
